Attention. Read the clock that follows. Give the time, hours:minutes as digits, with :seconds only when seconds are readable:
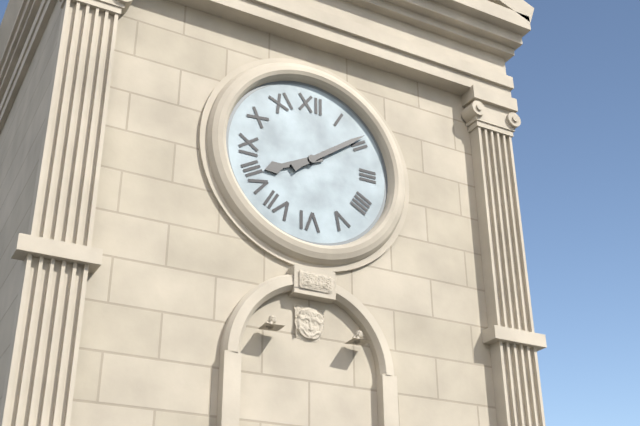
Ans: 8:09
